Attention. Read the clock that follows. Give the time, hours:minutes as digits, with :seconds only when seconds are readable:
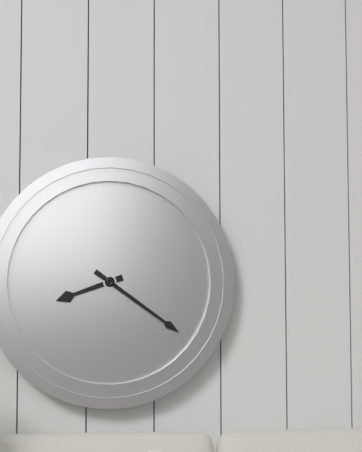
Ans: 8:21
